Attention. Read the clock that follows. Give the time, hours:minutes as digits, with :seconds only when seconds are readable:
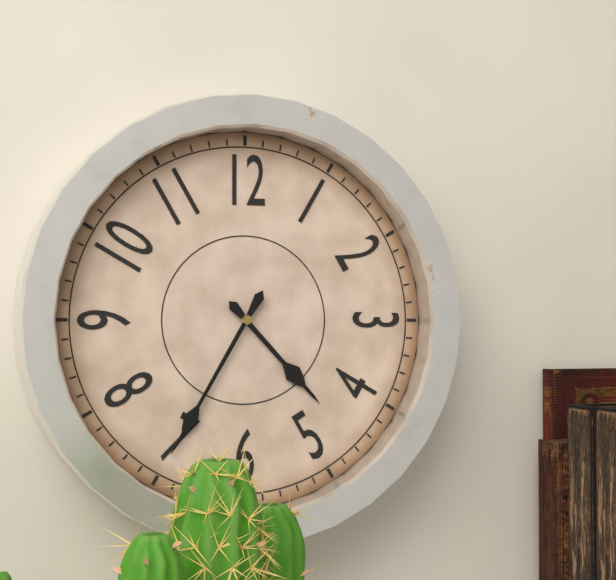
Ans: 4:35
